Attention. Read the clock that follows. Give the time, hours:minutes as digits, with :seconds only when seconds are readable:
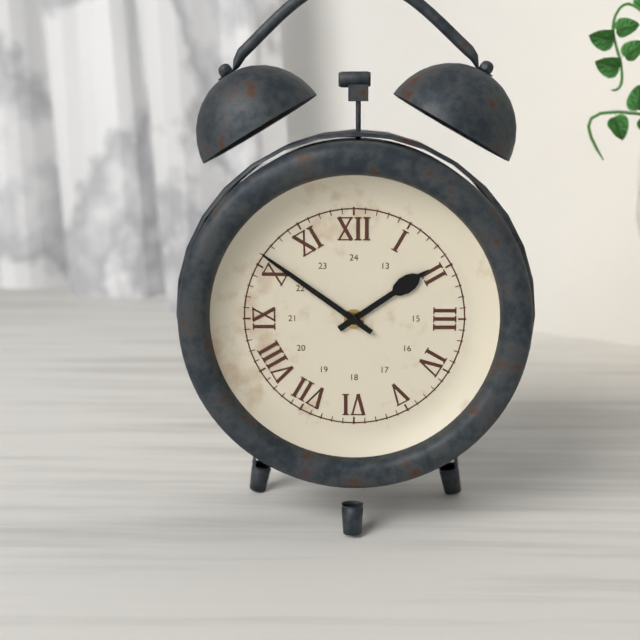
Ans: 1:51
